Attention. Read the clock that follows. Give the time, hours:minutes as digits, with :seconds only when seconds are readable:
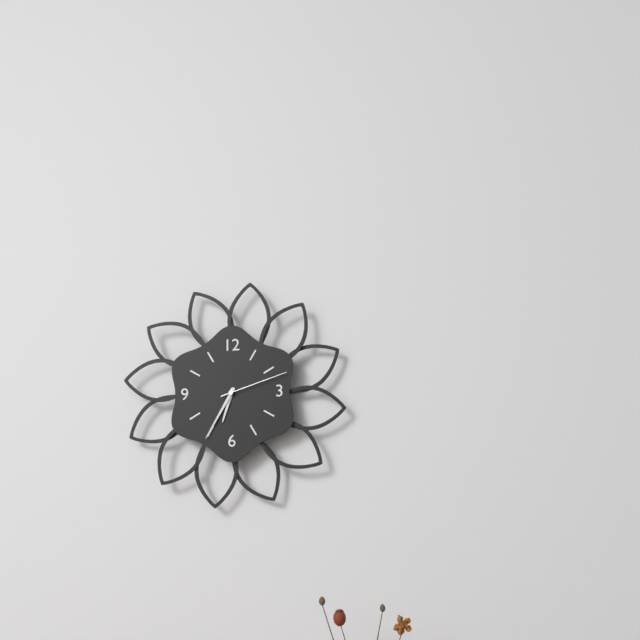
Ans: 6:35:12
